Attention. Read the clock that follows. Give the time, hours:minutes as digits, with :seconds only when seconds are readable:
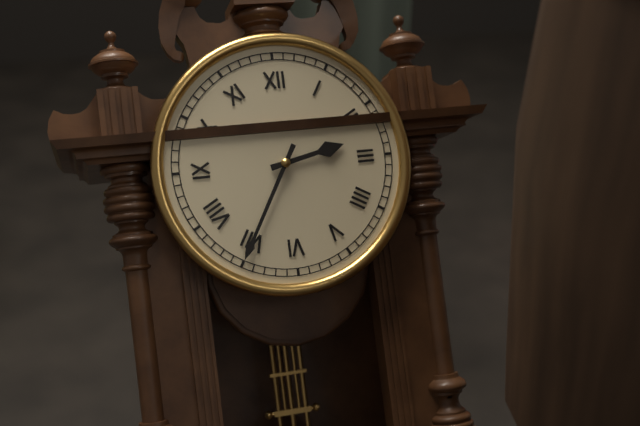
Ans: 2:35
